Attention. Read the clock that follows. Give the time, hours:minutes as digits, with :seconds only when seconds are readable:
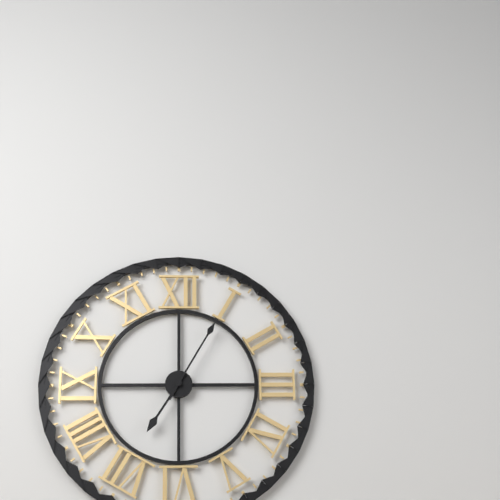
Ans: 7:05
